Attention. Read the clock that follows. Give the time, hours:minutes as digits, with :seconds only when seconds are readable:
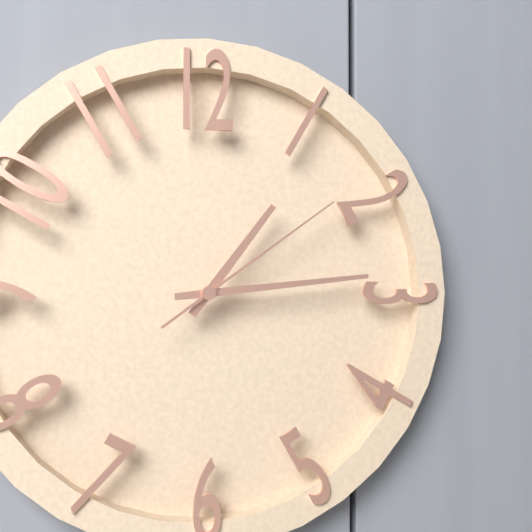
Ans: 1:14:09
